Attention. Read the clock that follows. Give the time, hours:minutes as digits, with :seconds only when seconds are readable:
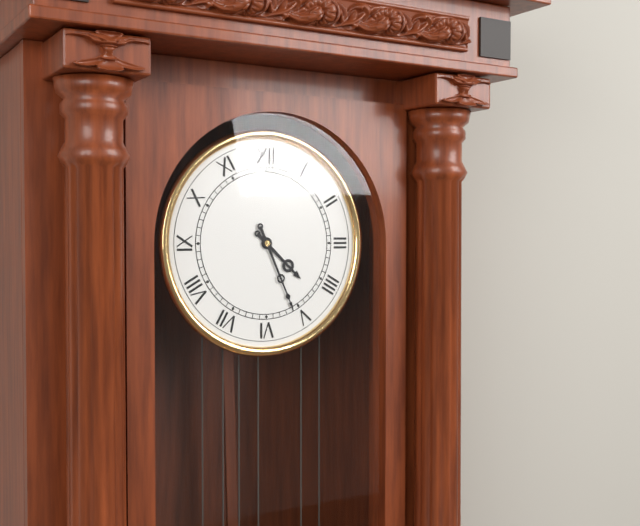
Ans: 4:26
